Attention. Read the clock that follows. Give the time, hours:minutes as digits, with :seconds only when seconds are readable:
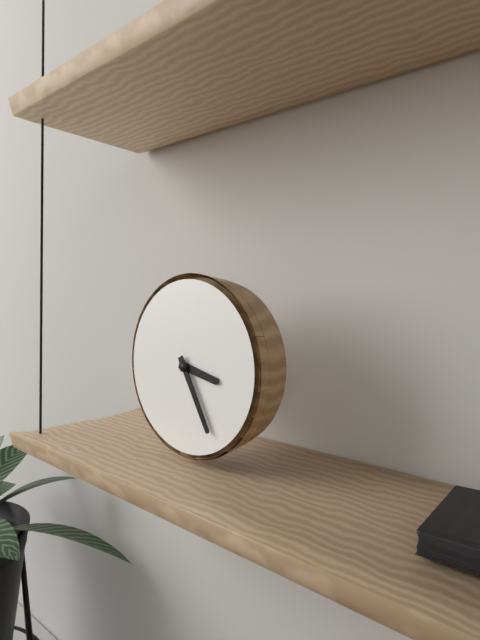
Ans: 3:25
